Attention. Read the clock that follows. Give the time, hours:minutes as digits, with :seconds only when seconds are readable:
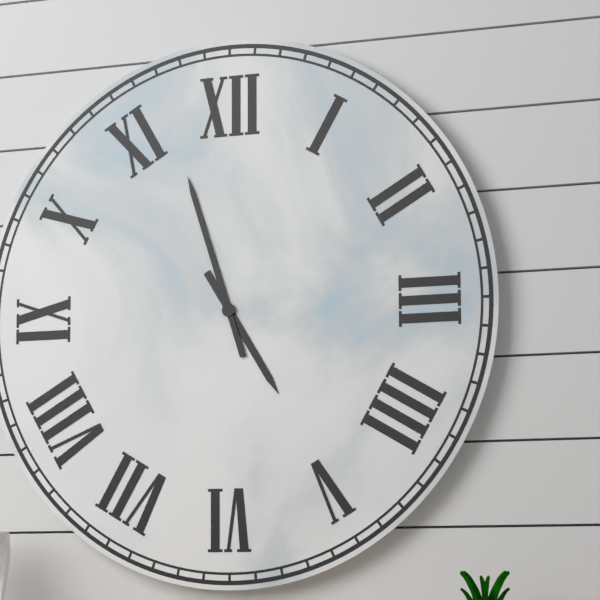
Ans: 4:57
